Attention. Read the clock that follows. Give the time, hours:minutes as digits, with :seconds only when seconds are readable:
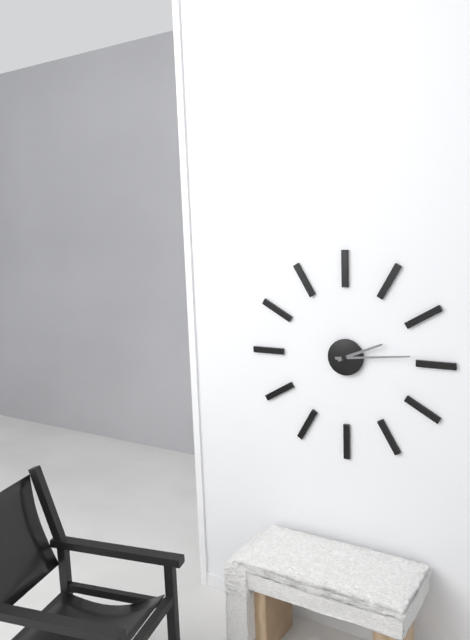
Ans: 2:14
